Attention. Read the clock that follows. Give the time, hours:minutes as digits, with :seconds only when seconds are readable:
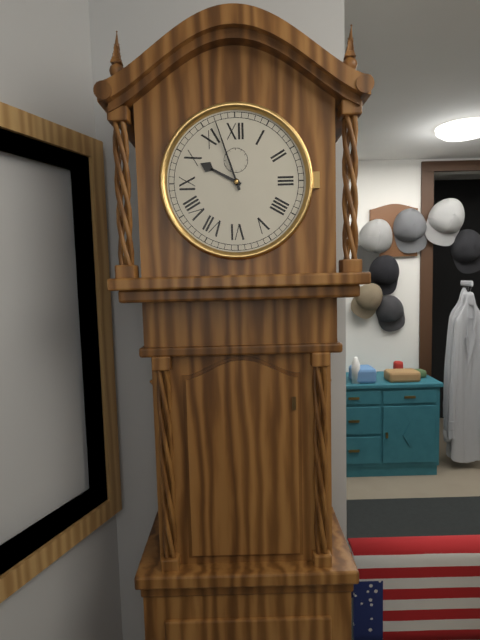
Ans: 9:57
